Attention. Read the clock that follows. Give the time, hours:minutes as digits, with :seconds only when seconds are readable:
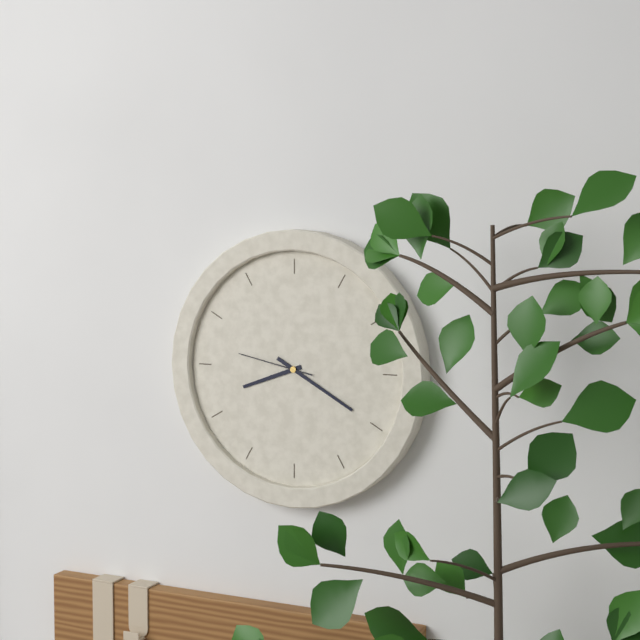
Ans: 8:20:47
